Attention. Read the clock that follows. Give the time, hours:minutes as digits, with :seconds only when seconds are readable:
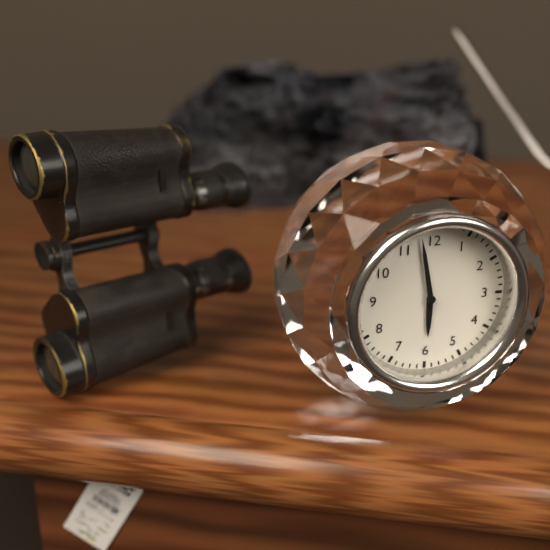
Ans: 5:58
